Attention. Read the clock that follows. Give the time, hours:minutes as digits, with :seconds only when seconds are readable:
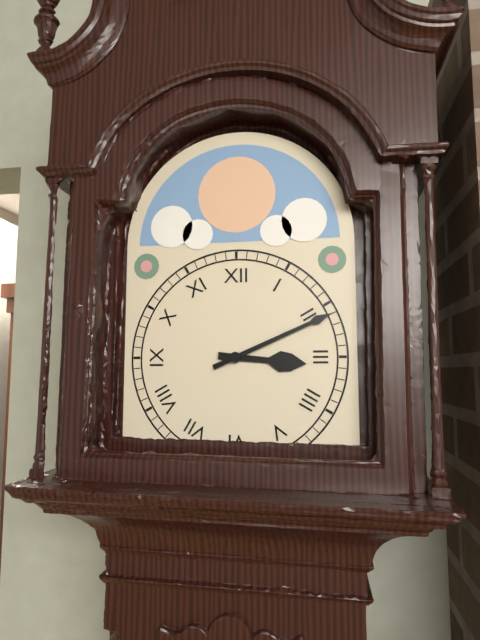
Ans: 3:11
